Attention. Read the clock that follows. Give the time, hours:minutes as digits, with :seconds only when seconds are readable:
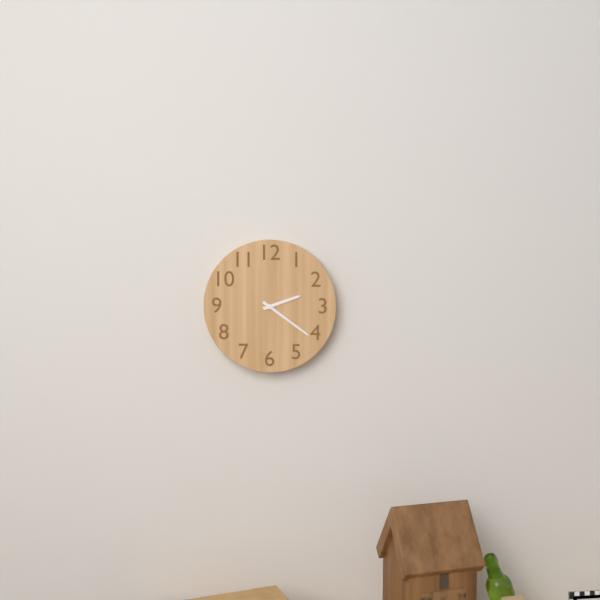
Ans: 2:21
